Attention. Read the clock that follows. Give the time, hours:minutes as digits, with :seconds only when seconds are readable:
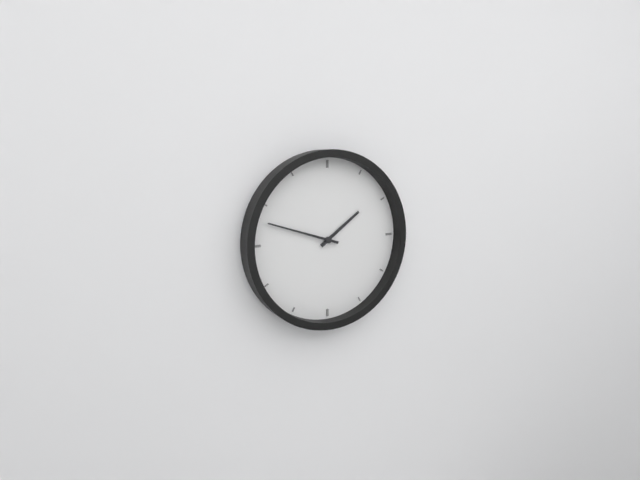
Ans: 1:48
